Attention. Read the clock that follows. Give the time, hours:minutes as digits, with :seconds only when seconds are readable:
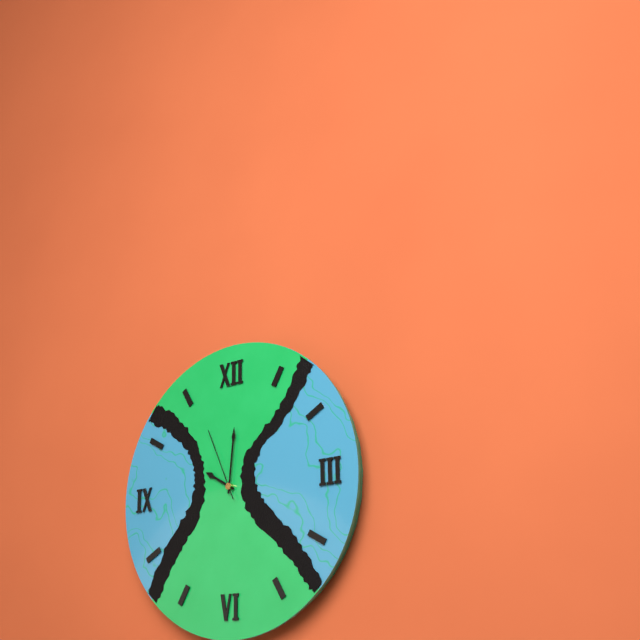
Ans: 10:01:56
